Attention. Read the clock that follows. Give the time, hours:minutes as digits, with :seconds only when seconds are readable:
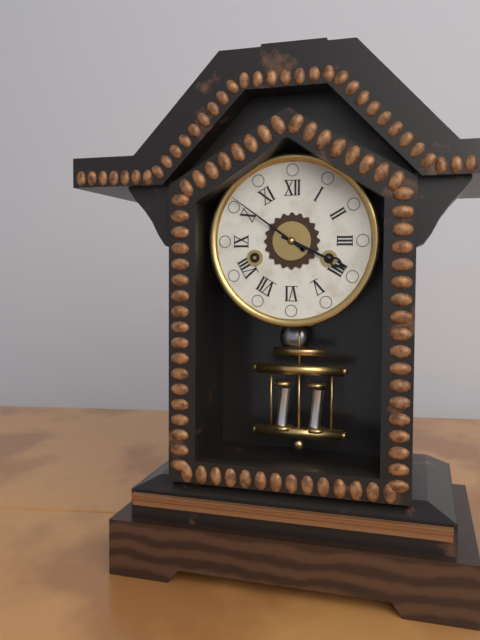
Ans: 3:51
